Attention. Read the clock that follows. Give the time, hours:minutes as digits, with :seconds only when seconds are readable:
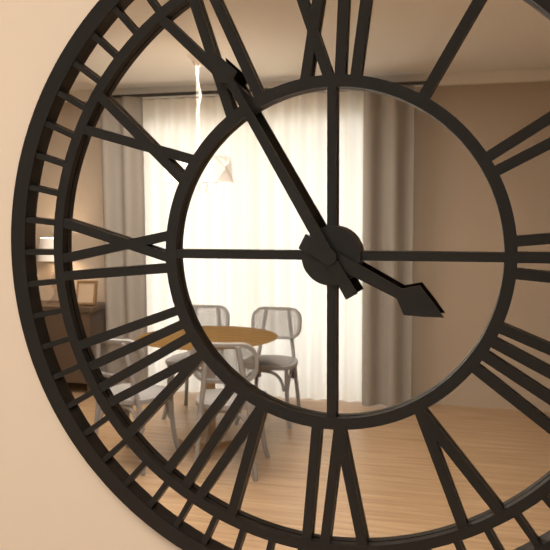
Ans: 3:55
